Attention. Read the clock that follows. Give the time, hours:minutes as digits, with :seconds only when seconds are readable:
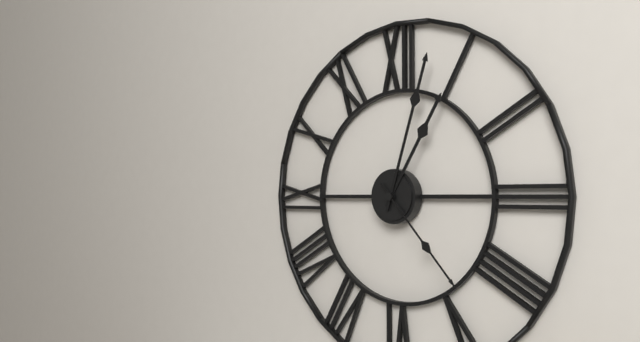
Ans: 1:03:23
